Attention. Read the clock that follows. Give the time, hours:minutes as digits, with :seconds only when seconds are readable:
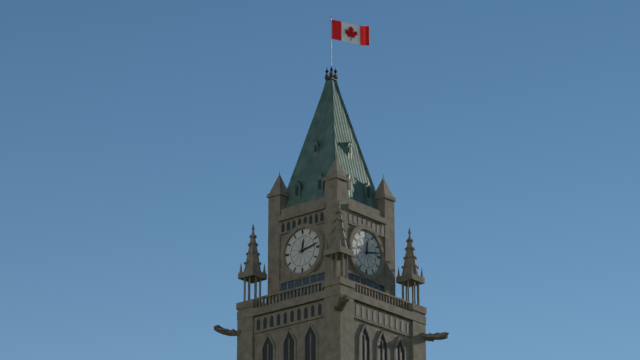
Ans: 12:13
